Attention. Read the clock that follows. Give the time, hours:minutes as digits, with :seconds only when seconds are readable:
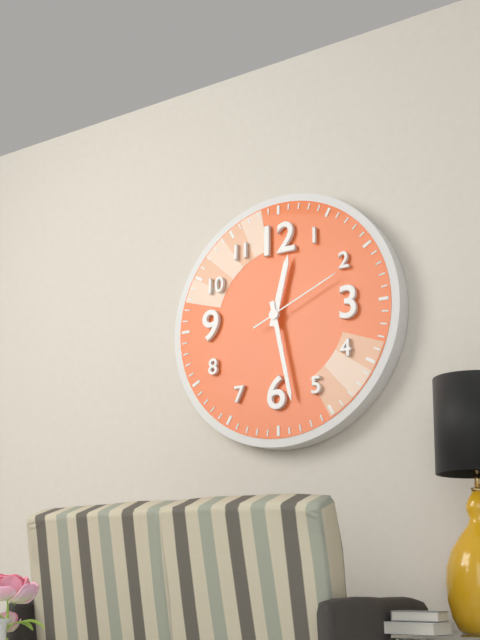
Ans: 12:28:11
